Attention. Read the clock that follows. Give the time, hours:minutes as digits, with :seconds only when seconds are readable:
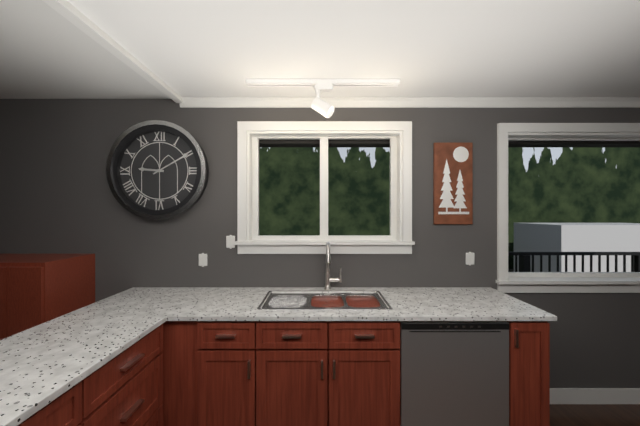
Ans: 9:10
